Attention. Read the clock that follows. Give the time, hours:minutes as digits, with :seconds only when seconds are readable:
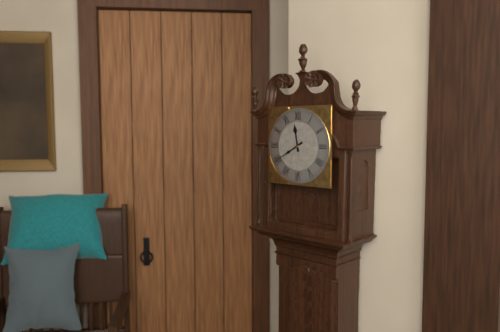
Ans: 11:40
